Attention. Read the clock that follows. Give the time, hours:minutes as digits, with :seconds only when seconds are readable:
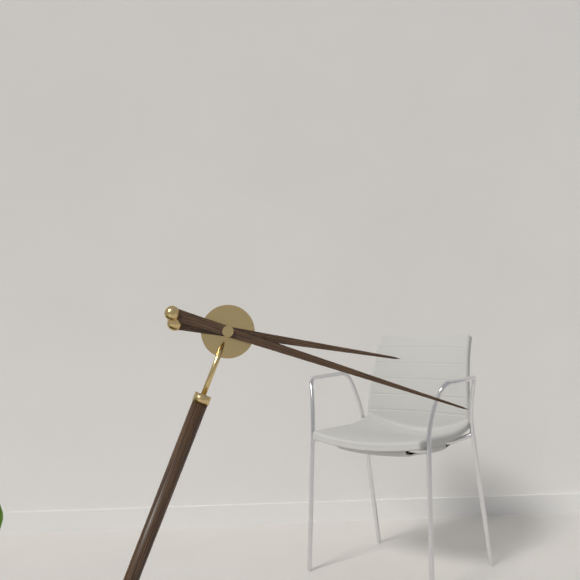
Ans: 3:18
